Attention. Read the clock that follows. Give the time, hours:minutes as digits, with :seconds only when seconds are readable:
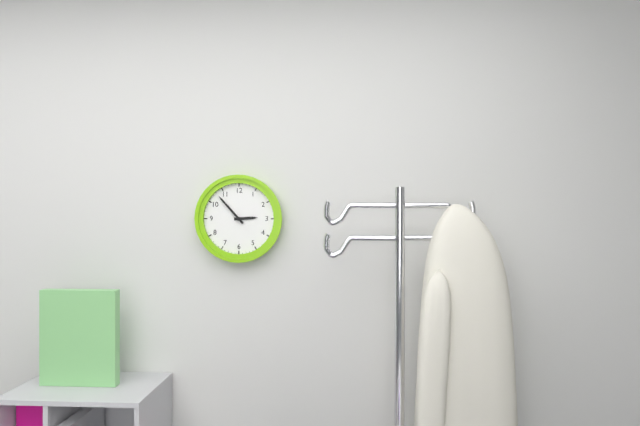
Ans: 2:53
